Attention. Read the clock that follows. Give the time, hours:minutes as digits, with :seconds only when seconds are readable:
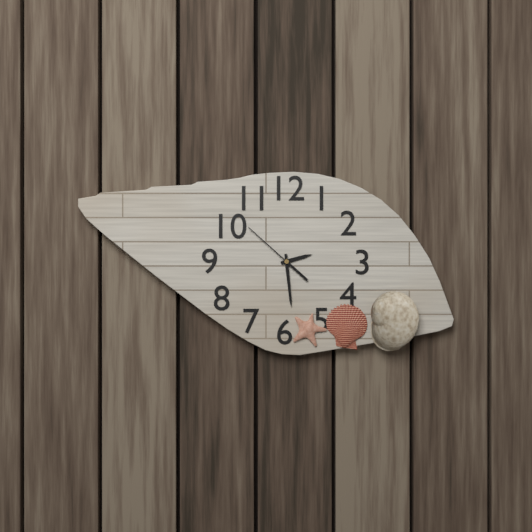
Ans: 2:29:52
